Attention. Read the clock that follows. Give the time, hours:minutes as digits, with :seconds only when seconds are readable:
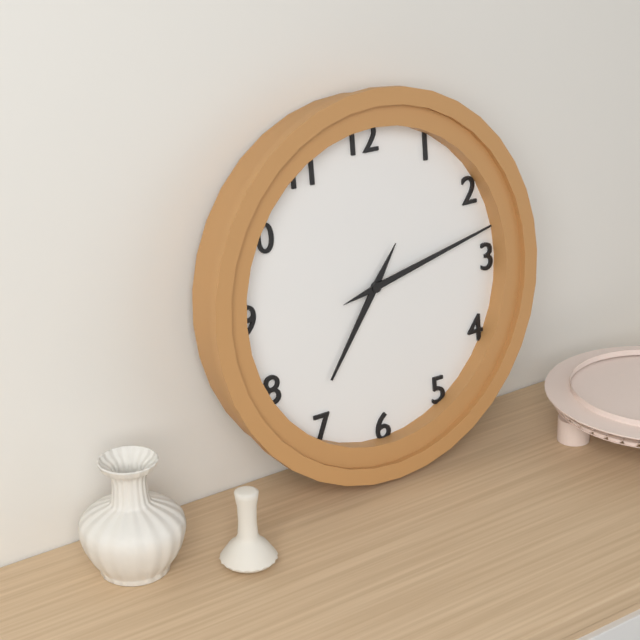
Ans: 7:13
